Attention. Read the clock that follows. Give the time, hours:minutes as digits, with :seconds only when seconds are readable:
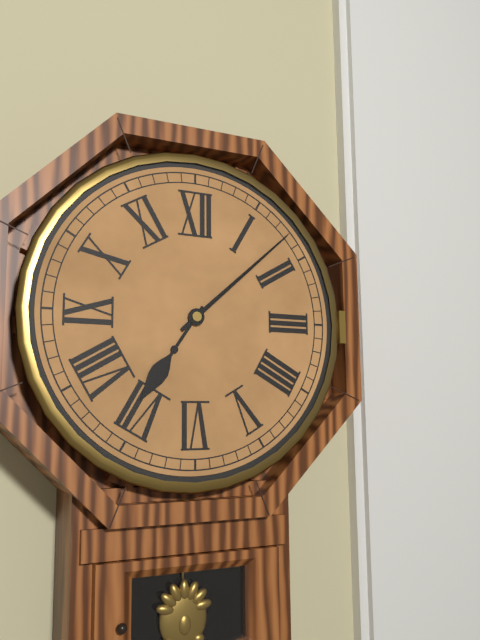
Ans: 7:08
